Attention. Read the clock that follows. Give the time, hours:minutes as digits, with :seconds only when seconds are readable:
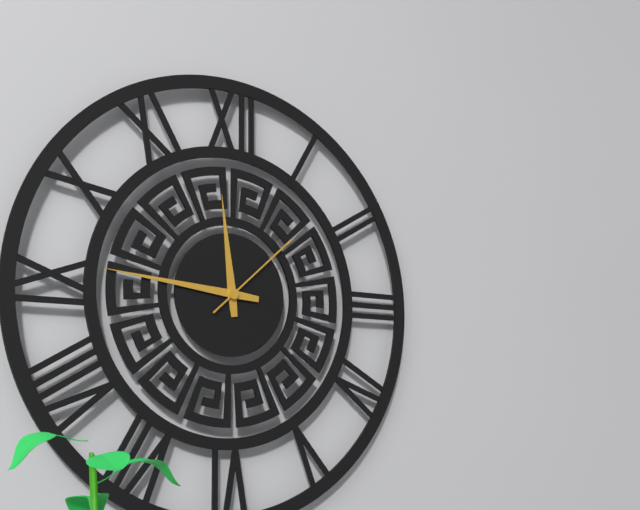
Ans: 11:46:08
